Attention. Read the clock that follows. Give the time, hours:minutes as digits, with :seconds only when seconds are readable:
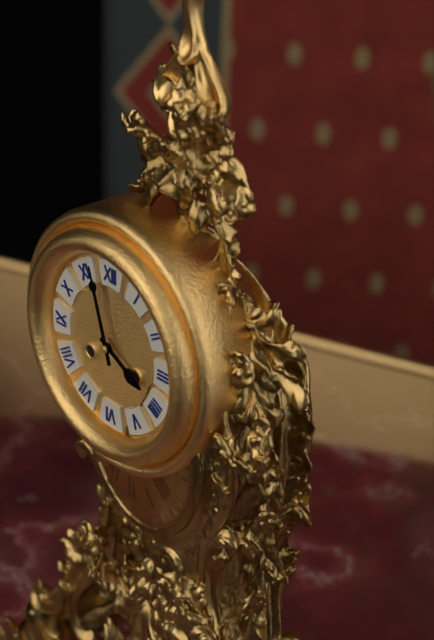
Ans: 3:57
